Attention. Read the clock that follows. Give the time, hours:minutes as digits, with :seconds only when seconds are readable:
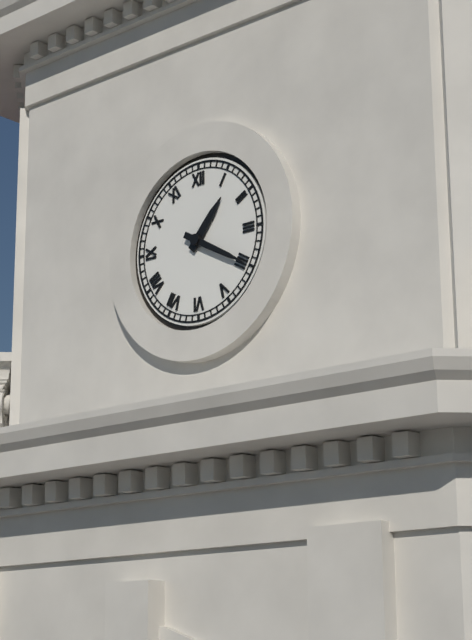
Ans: 1:20
